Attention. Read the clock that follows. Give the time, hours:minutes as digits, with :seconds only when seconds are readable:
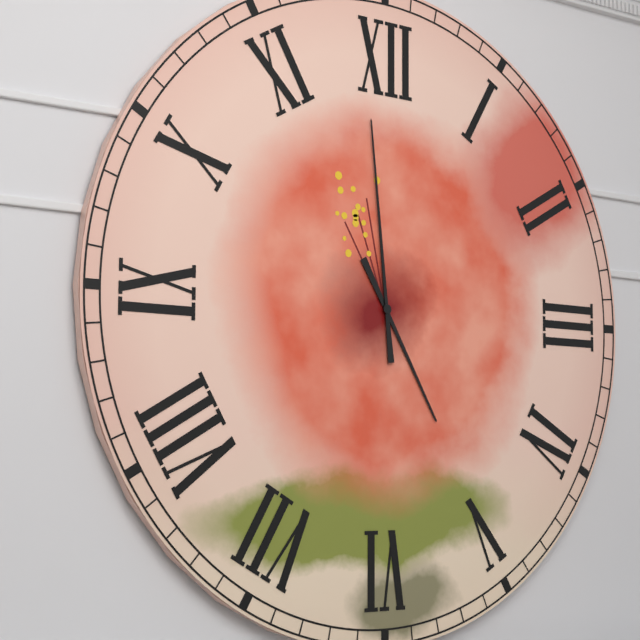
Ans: 4:59
